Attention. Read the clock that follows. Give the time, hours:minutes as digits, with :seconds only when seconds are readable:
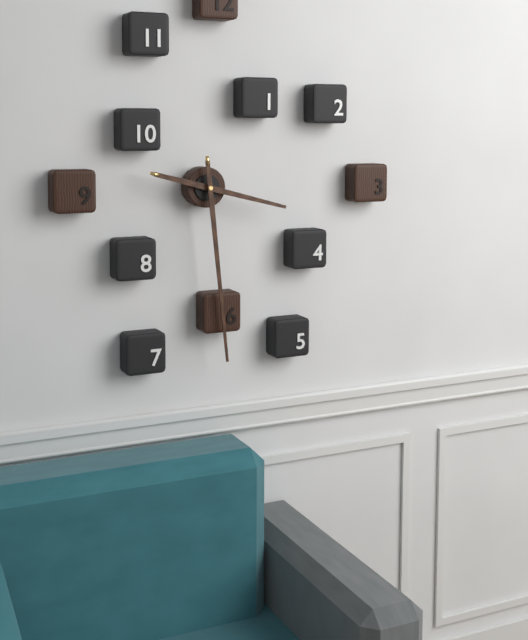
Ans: 3:29
